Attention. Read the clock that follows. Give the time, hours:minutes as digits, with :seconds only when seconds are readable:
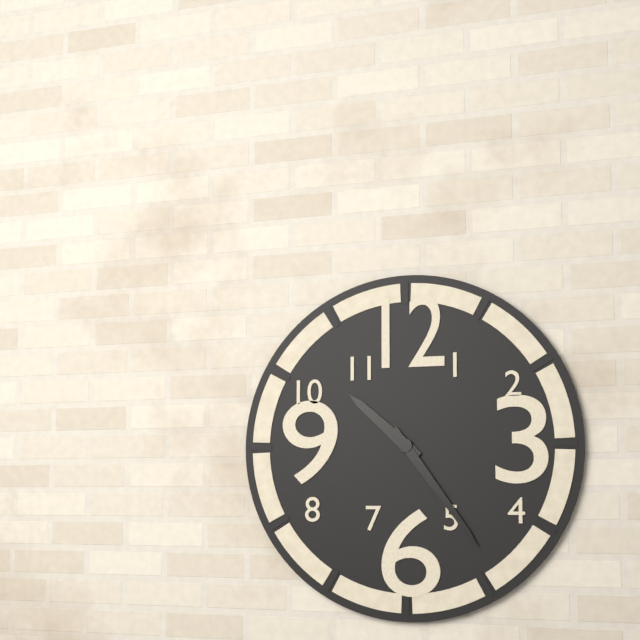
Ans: 10:24
